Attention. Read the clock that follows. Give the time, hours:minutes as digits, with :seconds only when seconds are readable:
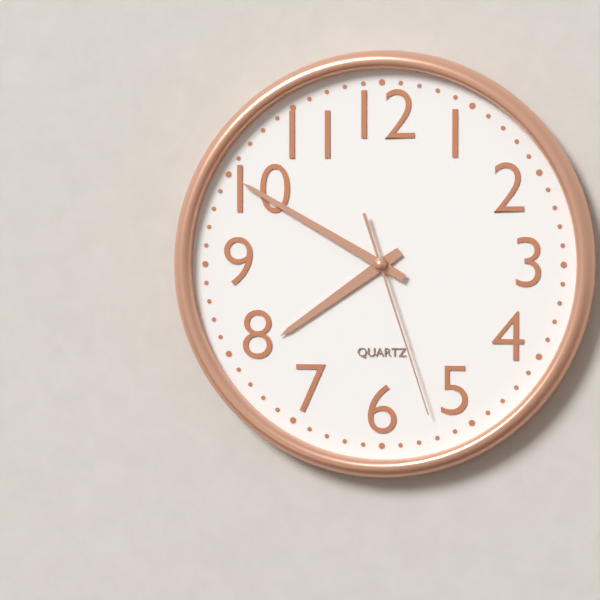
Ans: 7:50:27
